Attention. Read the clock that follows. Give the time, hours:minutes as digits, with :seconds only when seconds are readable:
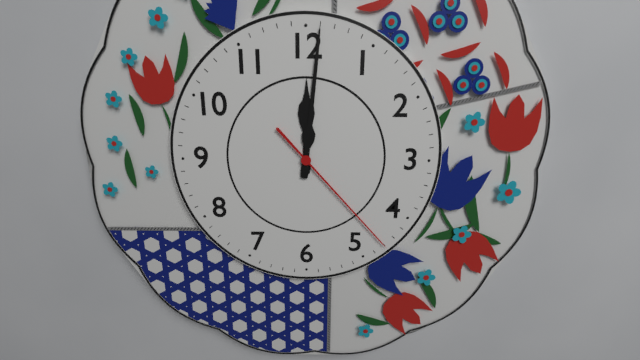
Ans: 12:01:23
